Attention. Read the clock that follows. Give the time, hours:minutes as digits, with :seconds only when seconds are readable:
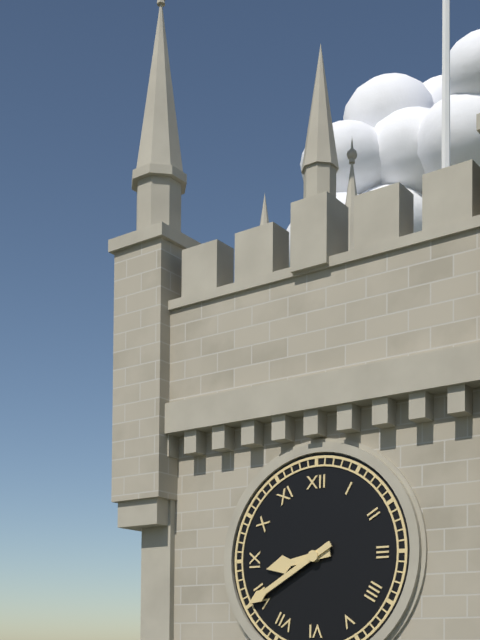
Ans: 8:40
